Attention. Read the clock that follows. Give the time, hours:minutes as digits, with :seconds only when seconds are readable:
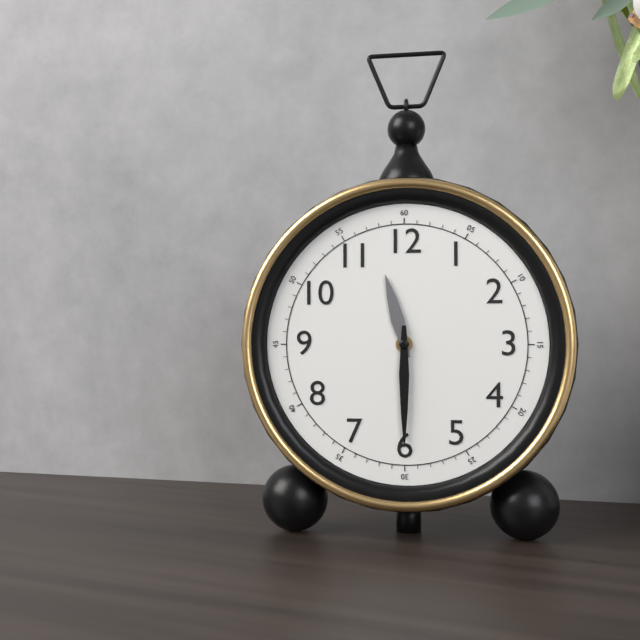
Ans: 11:30
